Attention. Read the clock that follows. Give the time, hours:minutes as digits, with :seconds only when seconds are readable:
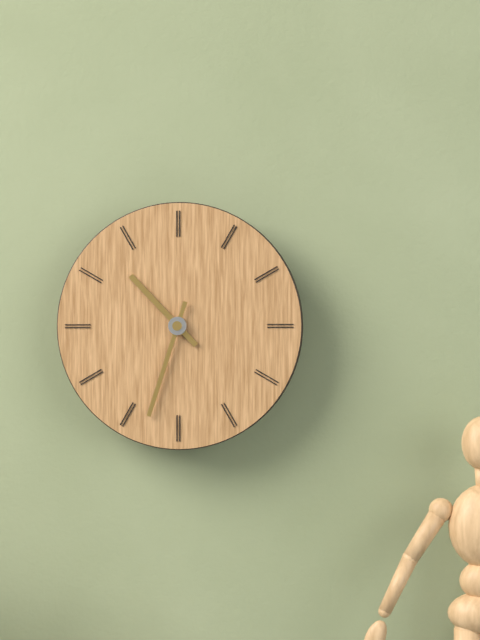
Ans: 10:33
